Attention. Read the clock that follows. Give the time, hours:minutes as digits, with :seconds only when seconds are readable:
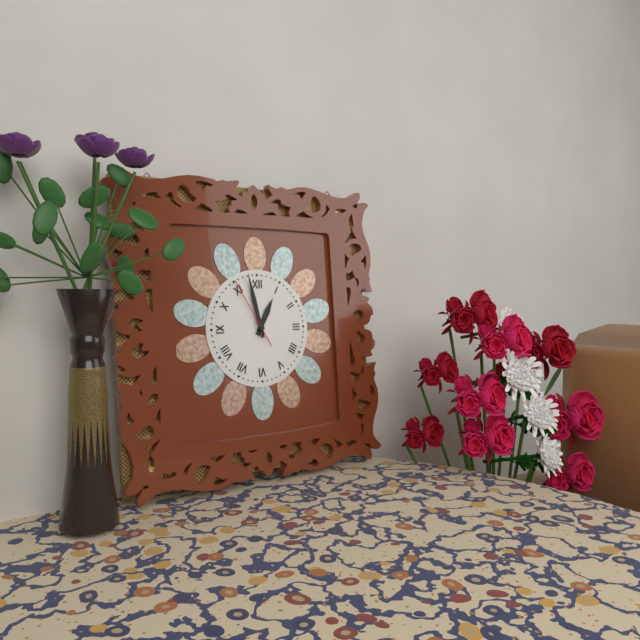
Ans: 12:58:55
